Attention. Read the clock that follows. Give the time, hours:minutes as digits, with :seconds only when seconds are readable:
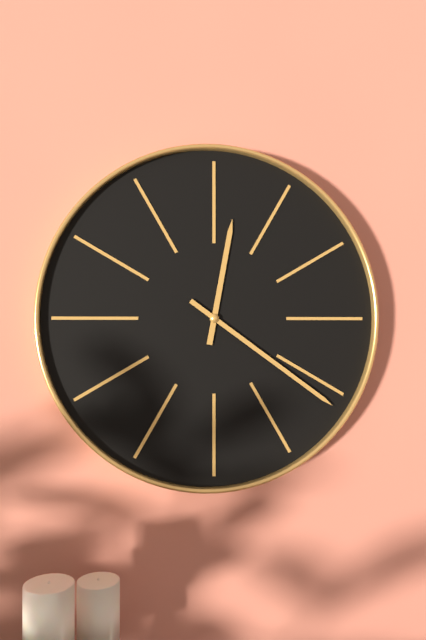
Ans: 12:21
